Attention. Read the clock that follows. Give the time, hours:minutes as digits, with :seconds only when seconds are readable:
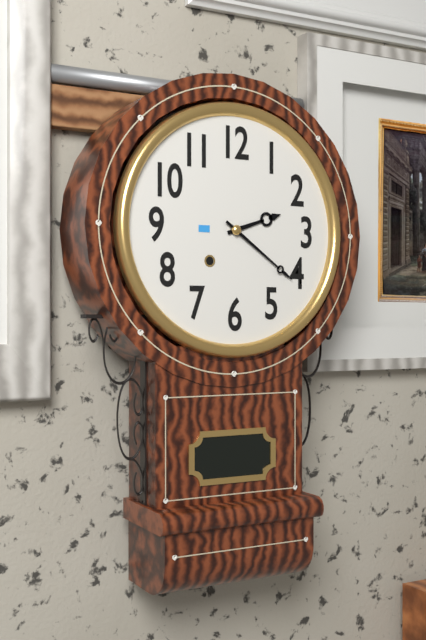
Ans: 2:21
